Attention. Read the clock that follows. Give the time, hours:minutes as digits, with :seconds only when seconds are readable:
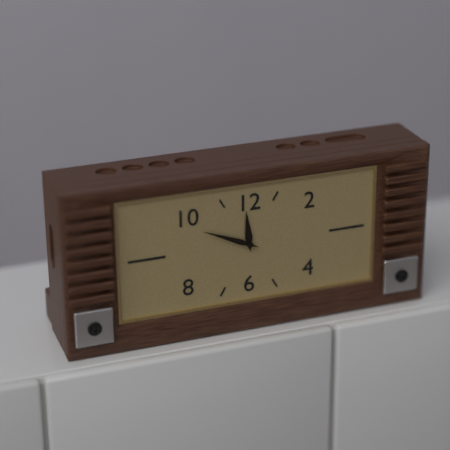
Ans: 11:49
